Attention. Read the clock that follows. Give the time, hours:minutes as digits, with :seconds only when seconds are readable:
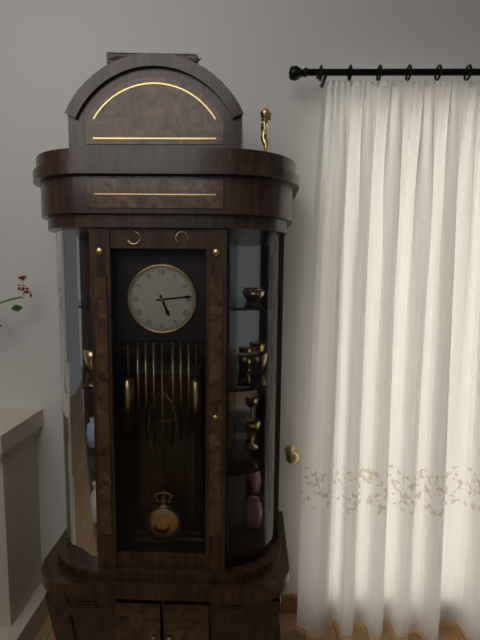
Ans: 5:14
